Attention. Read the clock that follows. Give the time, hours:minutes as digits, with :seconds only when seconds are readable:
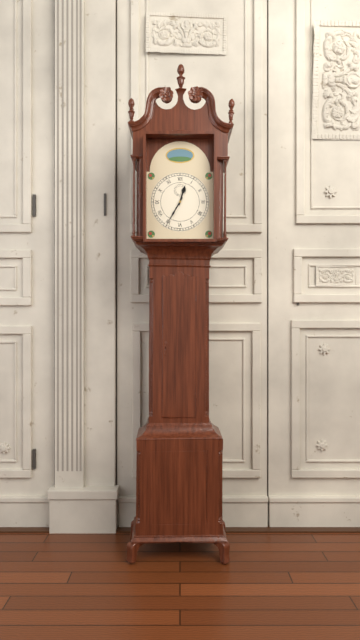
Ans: 12:35
